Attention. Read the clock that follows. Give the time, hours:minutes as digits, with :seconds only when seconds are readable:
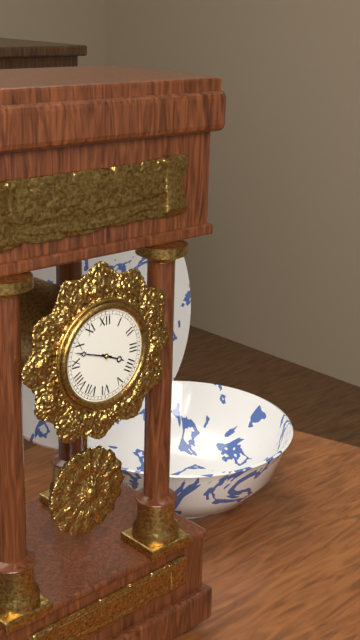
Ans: 3:48
